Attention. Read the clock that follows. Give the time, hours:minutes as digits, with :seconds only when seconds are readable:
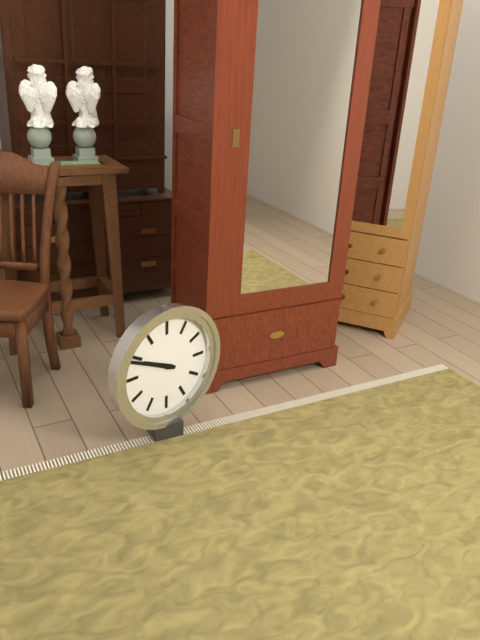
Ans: 9:49
